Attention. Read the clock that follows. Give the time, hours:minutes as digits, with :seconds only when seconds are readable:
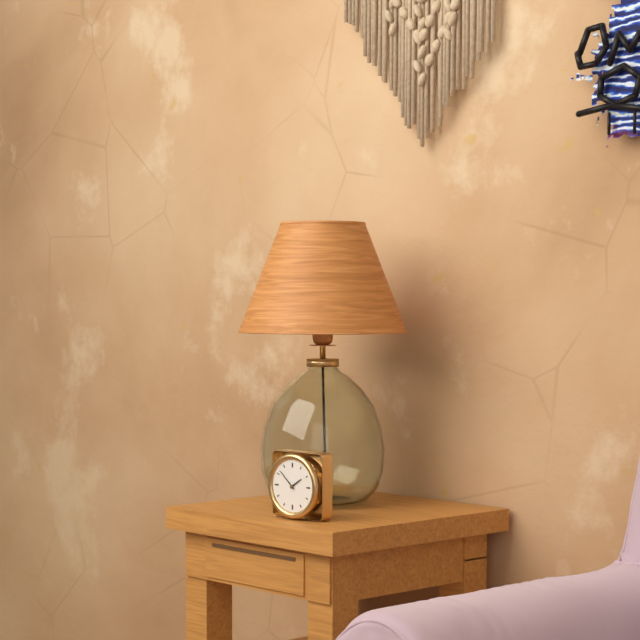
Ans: 1:52
